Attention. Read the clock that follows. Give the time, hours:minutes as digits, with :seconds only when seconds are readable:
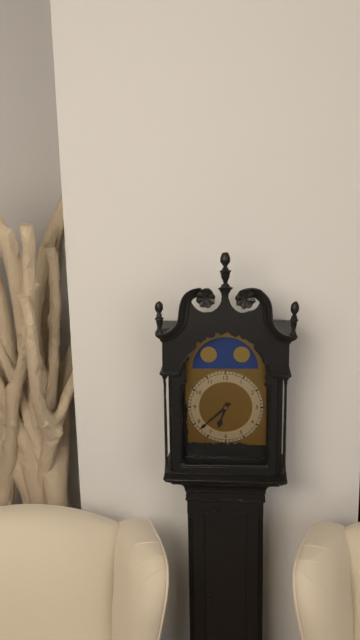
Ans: 6:38
